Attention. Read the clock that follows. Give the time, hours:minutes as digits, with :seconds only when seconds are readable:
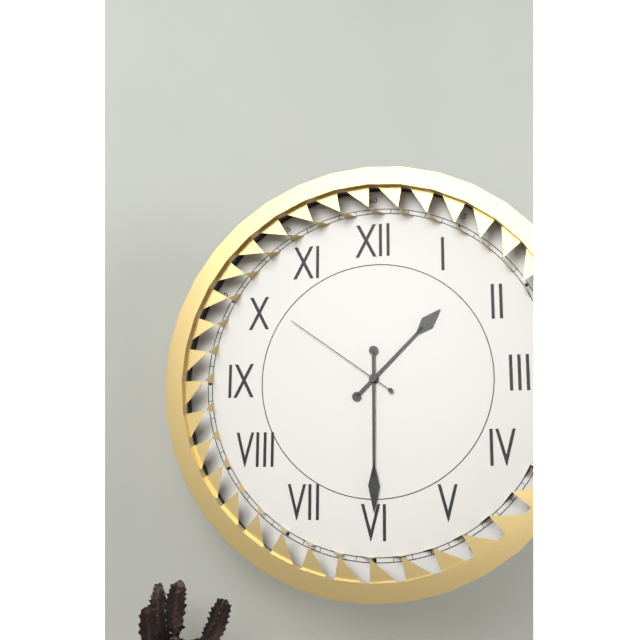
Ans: 1:30:51
